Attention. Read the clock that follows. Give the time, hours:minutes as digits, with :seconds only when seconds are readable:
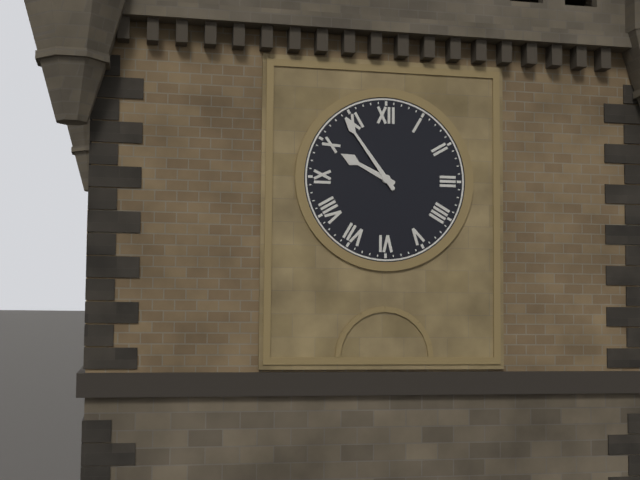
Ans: 9:54
